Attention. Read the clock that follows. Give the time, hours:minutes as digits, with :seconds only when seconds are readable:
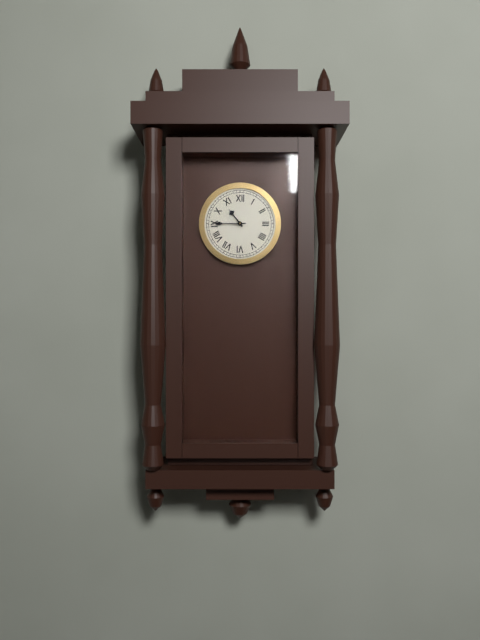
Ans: 10:45
